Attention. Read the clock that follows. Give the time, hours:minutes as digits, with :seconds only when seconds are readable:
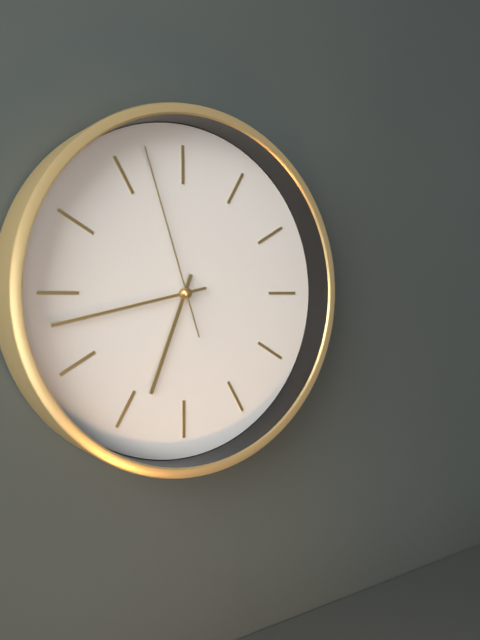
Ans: 6:43:57
